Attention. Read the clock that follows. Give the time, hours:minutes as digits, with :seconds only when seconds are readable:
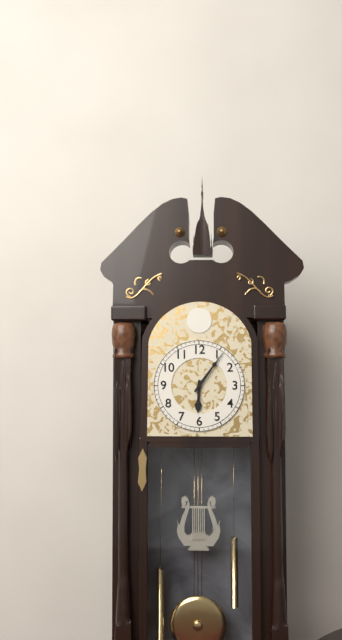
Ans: 6:06
